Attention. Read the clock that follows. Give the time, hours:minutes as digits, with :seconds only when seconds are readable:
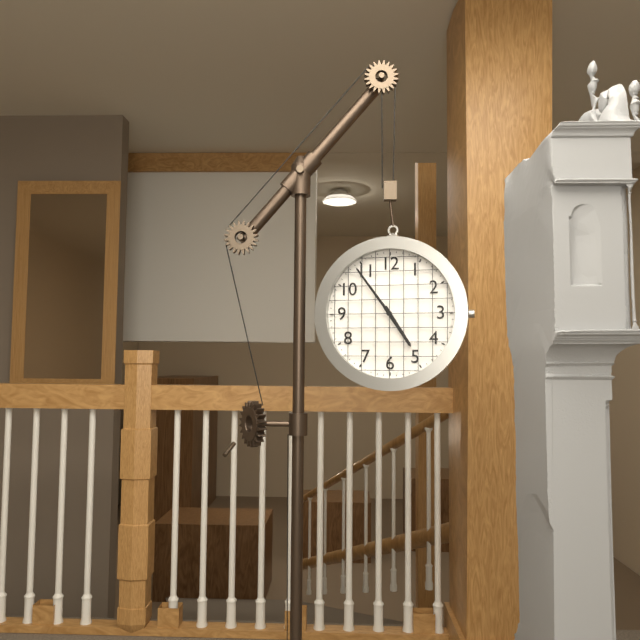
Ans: 4:54
